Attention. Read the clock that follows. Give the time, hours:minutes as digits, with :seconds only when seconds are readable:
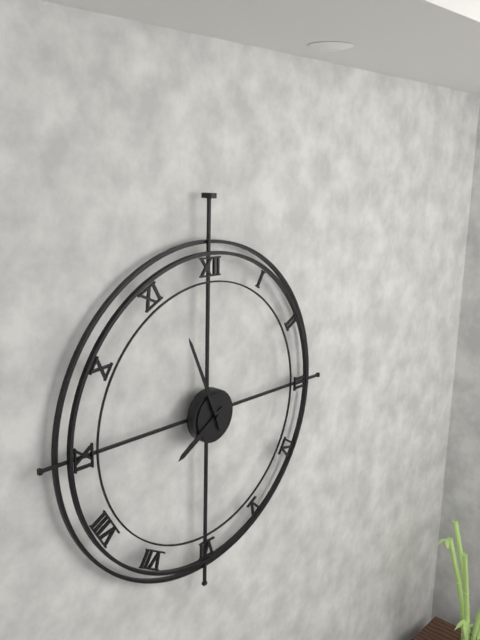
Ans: 7:56
